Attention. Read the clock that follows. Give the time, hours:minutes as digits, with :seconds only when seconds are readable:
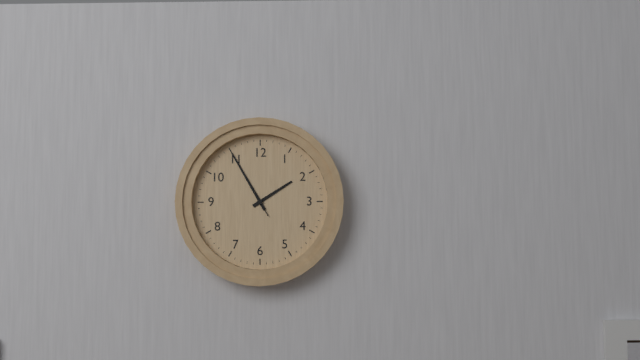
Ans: 1:55:55
